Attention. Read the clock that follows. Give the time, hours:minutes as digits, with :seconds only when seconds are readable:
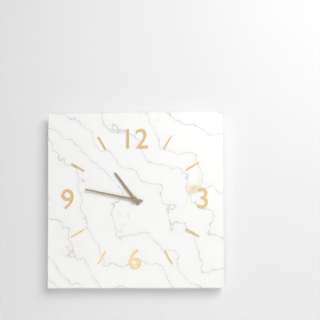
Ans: 10:47
